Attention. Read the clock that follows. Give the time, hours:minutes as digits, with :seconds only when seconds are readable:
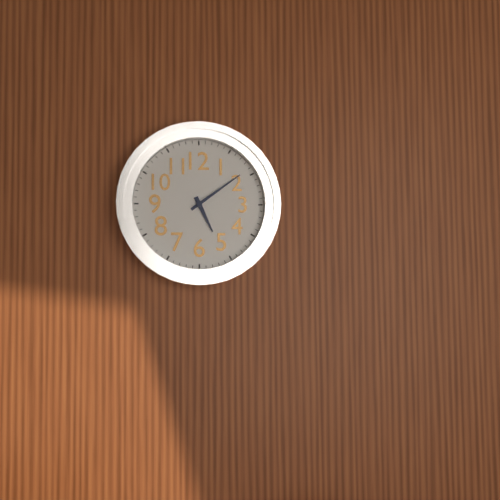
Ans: 5:09
